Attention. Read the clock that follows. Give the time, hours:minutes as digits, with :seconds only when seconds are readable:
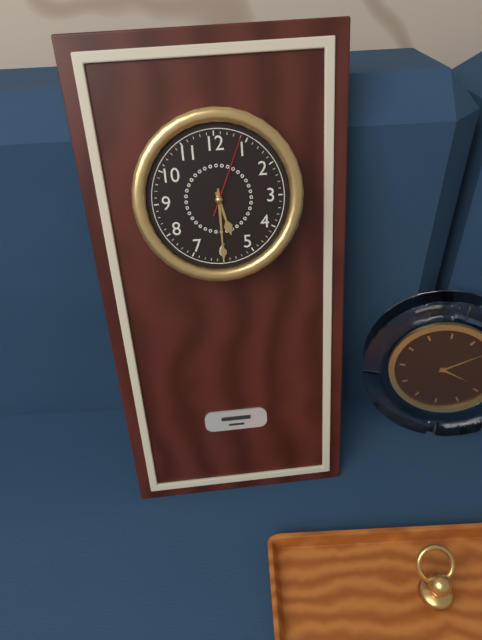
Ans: 5:30:04
